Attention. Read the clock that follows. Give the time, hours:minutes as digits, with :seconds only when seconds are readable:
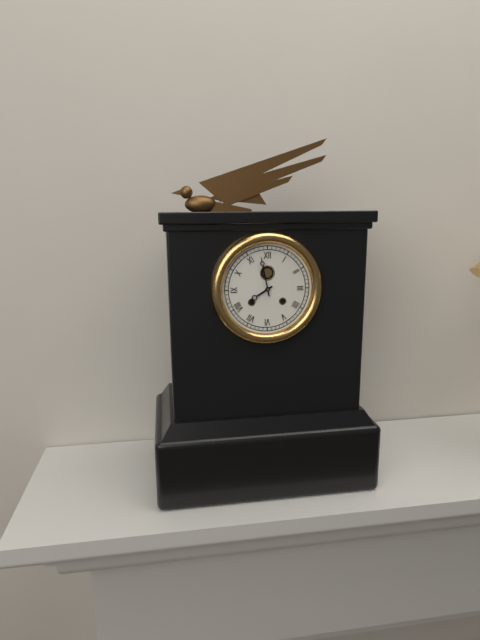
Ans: 7:58
